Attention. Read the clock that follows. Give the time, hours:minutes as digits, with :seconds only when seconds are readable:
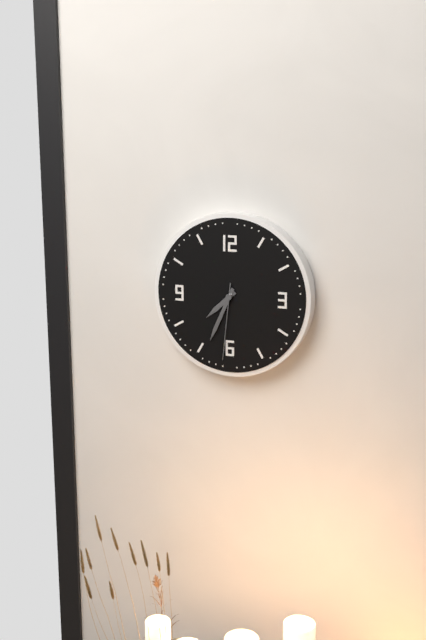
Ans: 7:34:31
